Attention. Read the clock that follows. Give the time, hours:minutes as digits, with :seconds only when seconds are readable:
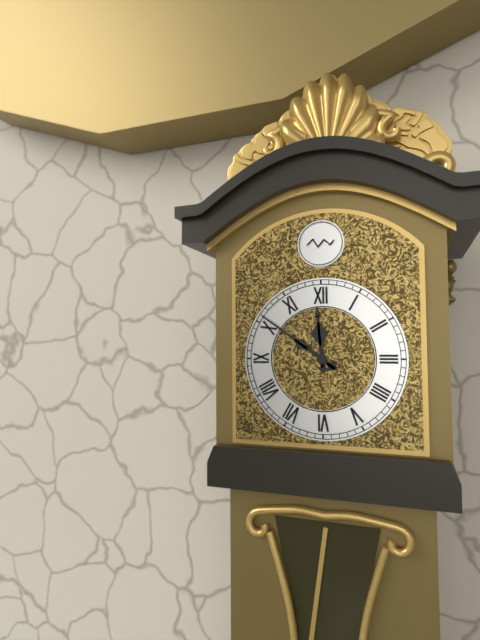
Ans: 11:51
